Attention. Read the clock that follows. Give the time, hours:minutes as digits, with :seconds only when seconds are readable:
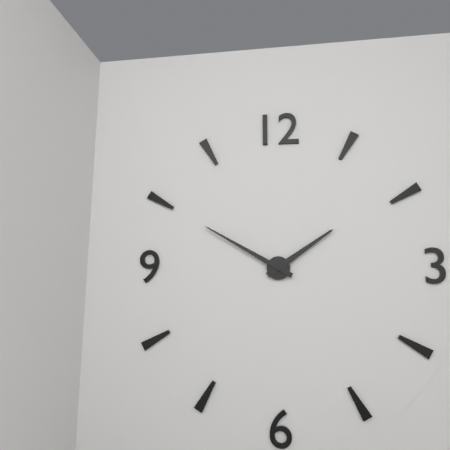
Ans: 1:50
